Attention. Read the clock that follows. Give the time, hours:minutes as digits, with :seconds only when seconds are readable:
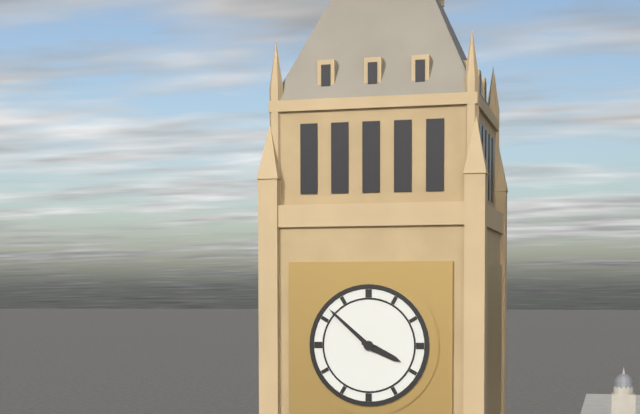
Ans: 3:52
